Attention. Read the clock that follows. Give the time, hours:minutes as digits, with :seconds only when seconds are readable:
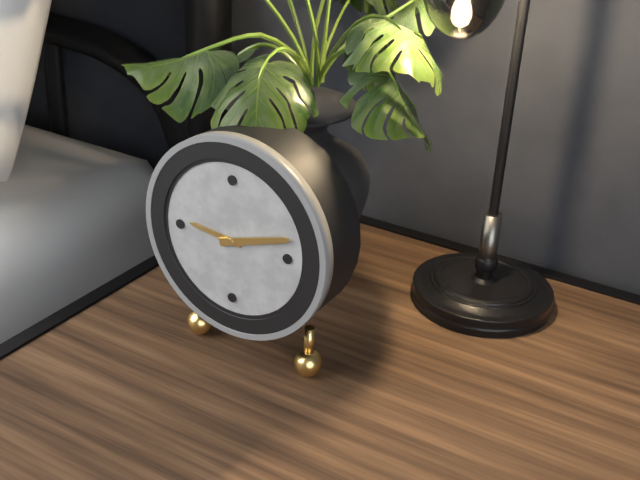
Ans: 9:12
